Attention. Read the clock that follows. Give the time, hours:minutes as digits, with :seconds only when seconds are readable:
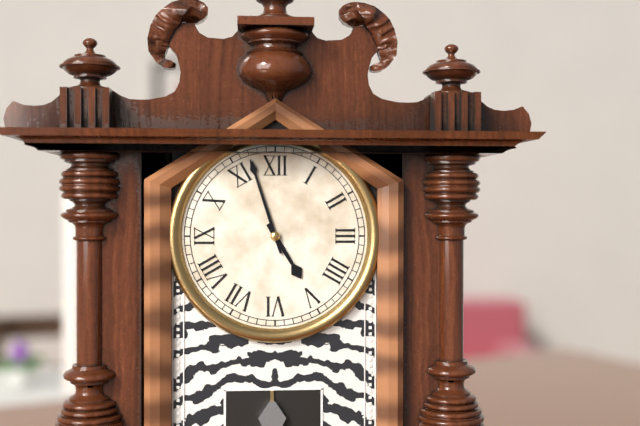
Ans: 4:57
